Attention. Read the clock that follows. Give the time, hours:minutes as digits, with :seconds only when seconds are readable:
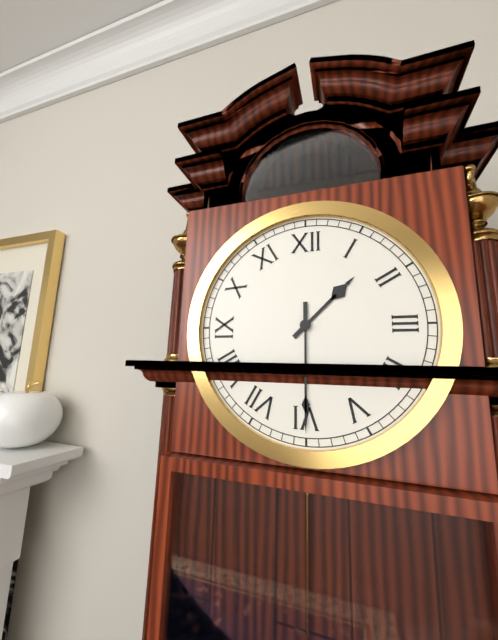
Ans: 1:30
